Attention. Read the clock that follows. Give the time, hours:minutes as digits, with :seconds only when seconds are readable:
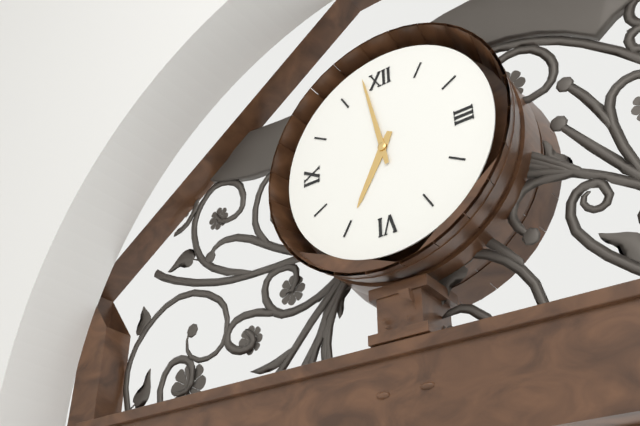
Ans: 6:58
